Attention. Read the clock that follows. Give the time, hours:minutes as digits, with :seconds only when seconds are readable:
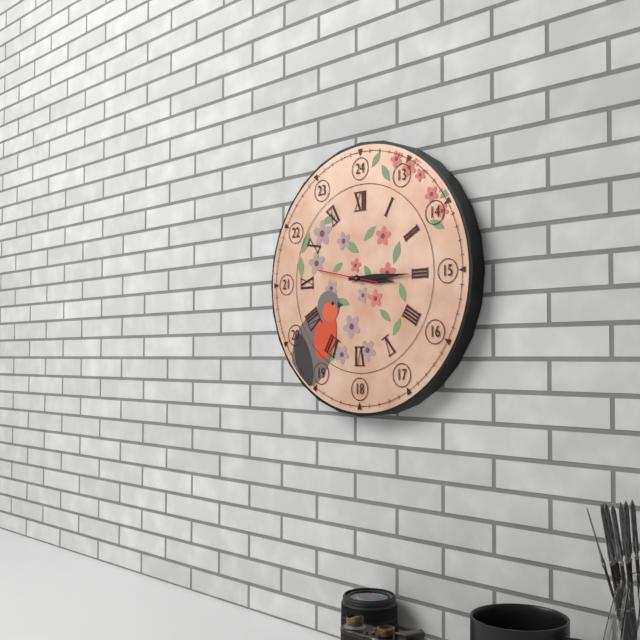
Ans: 3:15:47
